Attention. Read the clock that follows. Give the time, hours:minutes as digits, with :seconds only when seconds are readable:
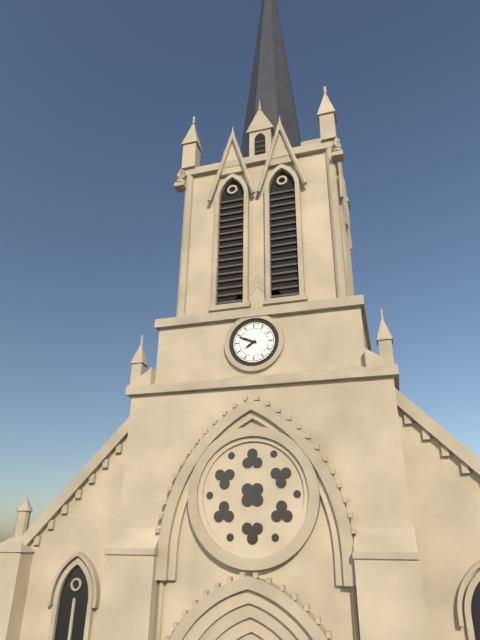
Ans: 7:49
